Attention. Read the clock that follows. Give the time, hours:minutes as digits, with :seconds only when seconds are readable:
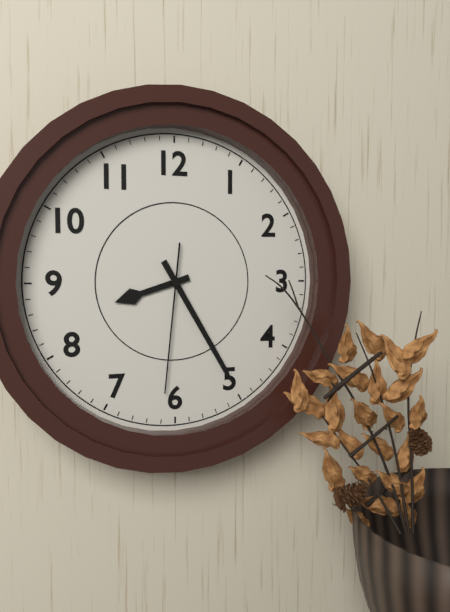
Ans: 8:25:31
